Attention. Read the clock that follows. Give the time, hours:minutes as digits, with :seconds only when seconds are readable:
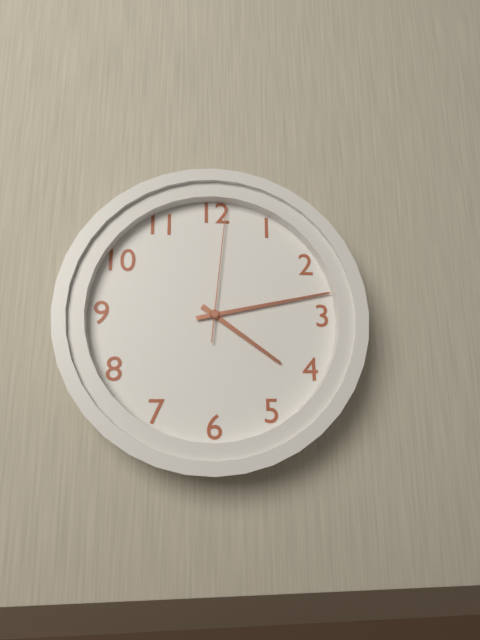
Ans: 4:13:01
